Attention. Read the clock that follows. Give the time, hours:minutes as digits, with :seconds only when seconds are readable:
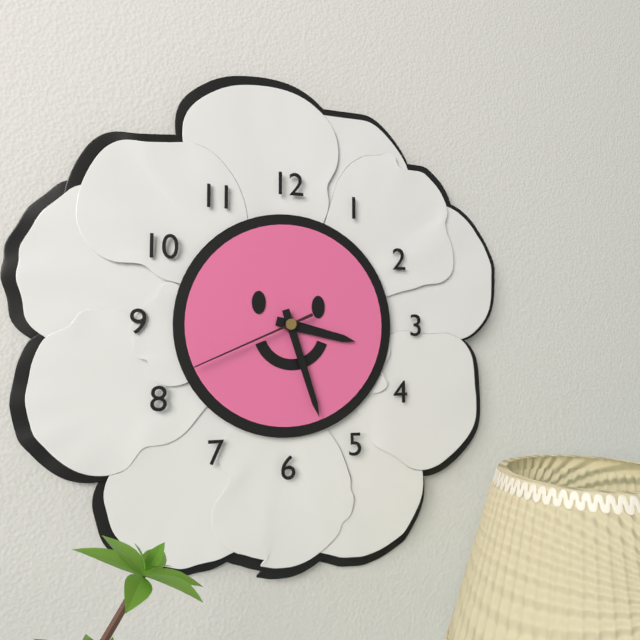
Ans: 3:27:41
